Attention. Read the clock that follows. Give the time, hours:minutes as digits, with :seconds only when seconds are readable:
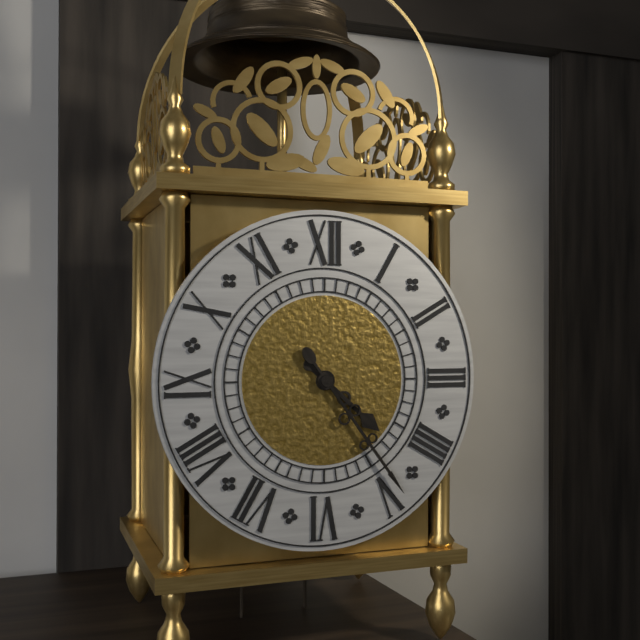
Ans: 4:24
